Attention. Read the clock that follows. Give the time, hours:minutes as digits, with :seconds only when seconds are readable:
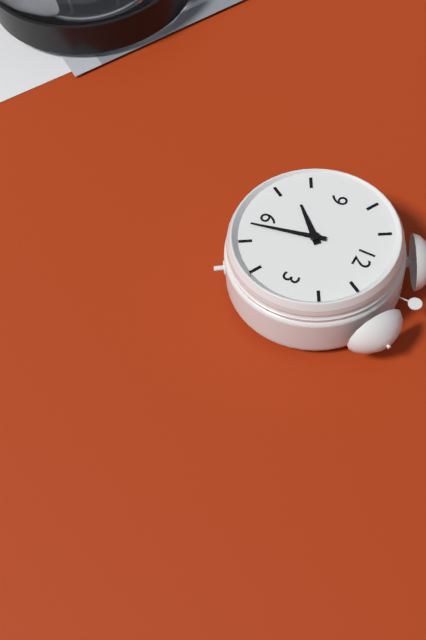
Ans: 7:28
